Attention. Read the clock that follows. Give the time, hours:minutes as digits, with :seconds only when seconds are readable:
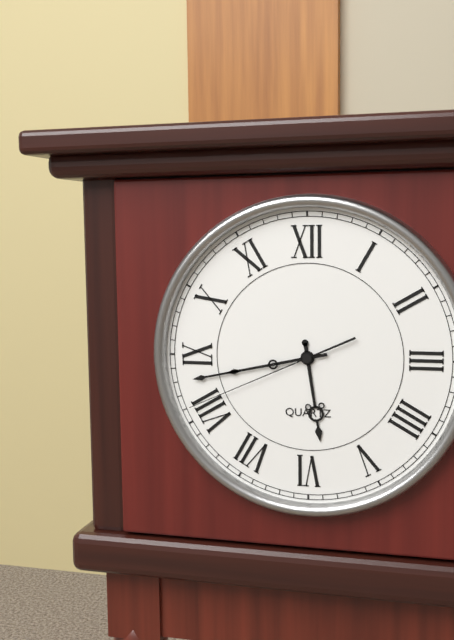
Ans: 5:43:41
